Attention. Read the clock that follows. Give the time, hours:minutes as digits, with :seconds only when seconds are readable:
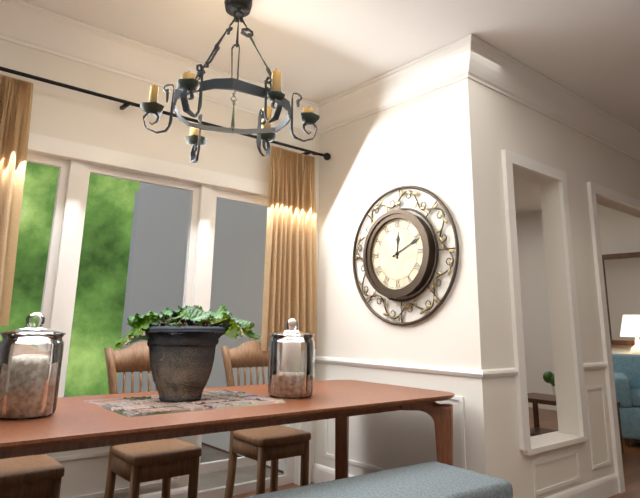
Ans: 12:11
